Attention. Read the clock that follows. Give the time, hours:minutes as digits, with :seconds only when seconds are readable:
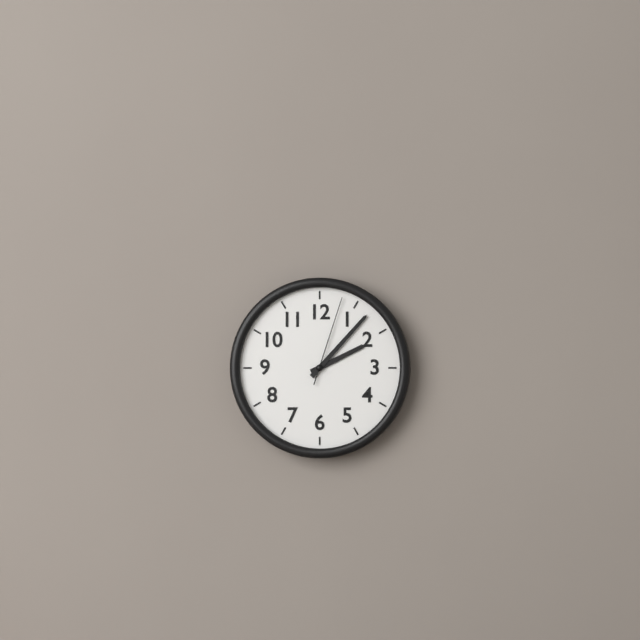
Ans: 2:07:03
